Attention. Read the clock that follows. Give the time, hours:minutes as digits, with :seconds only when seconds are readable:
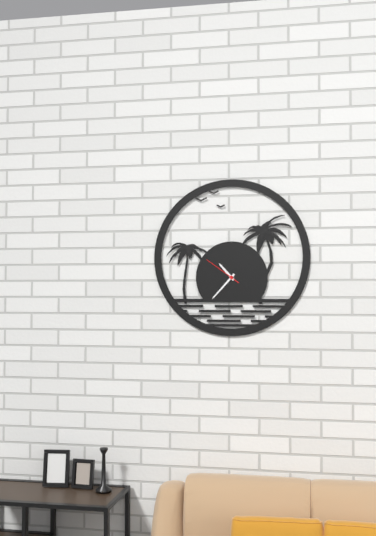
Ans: 10:37
